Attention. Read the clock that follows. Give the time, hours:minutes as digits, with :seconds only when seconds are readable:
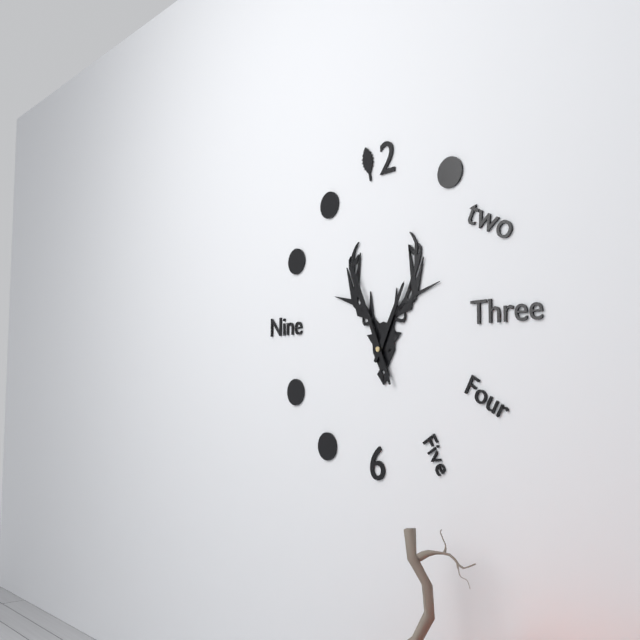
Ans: 12:56
